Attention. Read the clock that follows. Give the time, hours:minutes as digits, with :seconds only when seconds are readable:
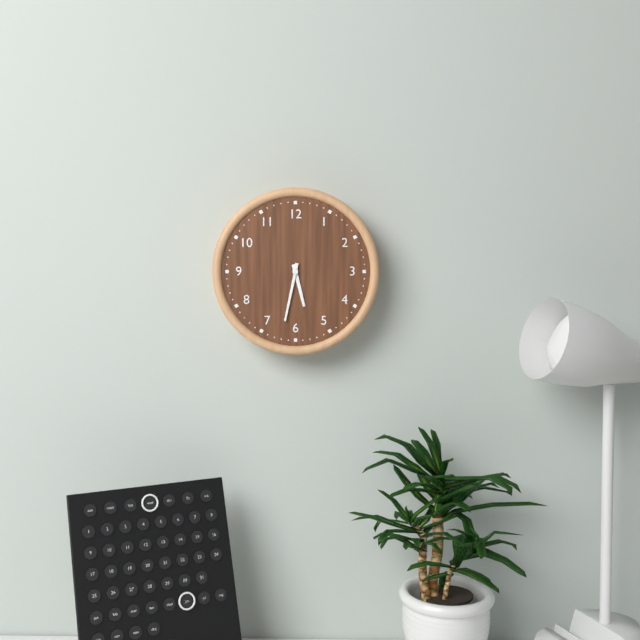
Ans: 5:32
